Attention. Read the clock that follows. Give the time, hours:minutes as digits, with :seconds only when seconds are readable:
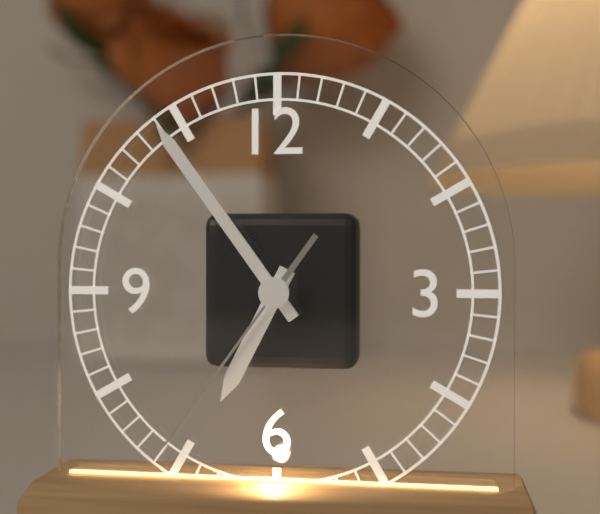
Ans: 6:54:36
